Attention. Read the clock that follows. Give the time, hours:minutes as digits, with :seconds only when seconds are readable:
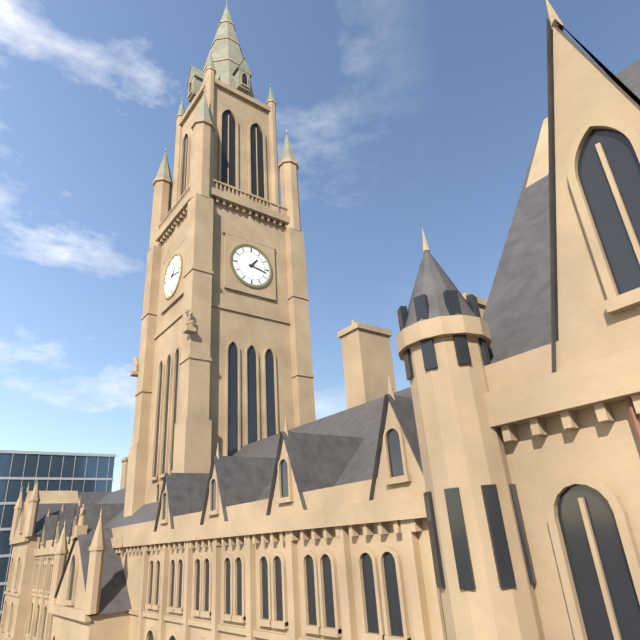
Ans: 1:17
